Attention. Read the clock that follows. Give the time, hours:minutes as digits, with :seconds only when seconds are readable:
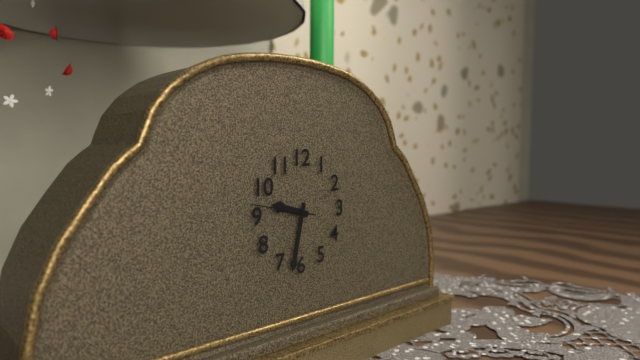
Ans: 9:32:47
